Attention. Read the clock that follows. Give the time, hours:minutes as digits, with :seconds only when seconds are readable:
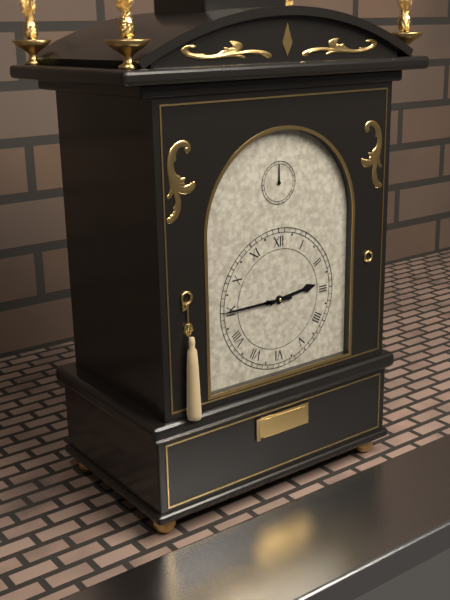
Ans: 2:45
